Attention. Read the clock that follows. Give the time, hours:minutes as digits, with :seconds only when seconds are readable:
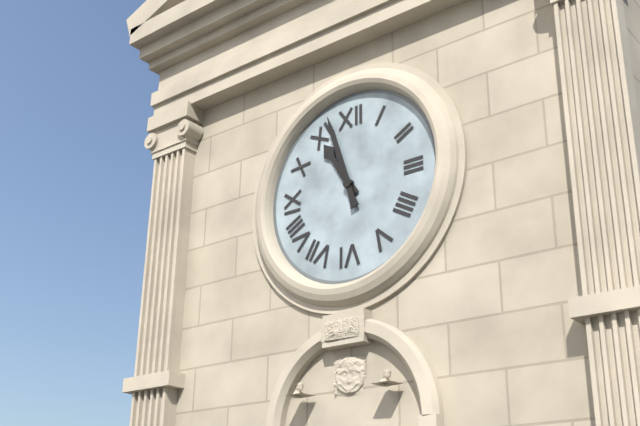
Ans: 10:57
